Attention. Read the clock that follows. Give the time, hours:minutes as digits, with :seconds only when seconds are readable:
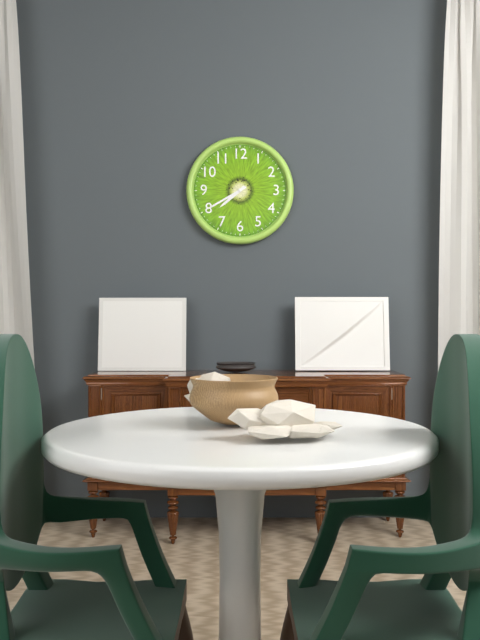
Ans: 7:40
